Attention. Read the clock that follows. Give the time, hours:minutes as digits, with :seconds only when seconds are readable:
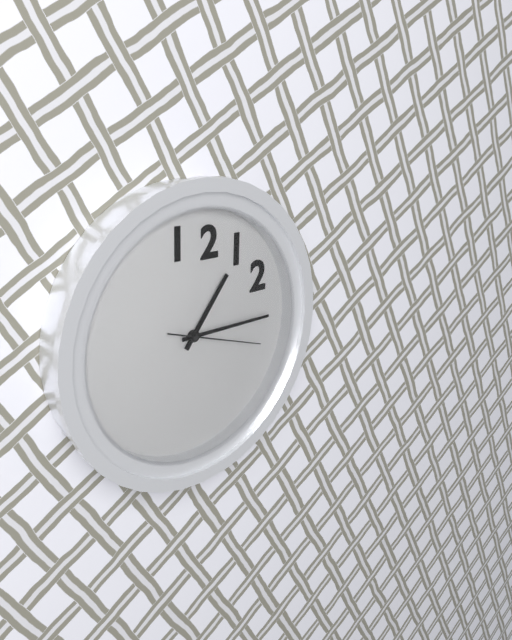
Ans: 1:15:18
